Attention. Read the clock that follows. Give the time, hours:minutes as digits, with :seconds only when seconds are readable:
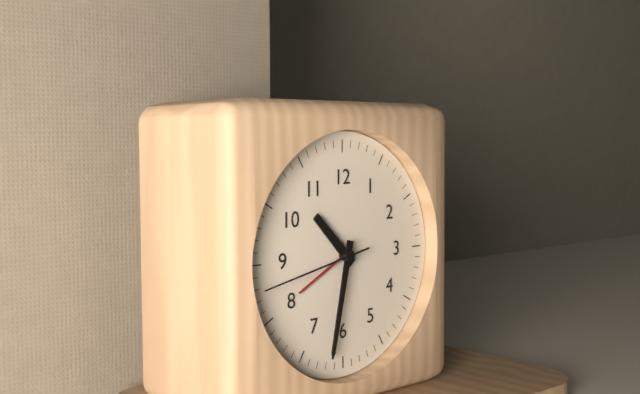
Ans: 10:32:43
